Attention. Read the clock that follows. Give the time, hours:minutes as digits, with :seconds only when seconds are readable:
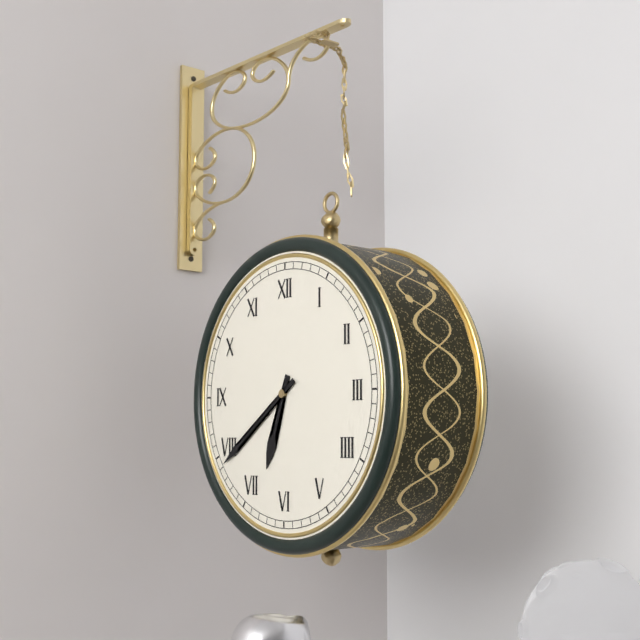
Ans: 6:39
